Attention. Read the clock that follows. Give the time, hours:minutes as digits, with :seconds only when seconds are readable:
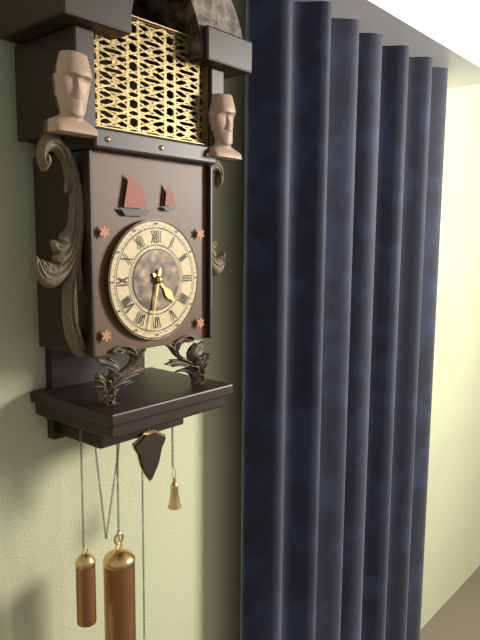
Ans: 4:32
